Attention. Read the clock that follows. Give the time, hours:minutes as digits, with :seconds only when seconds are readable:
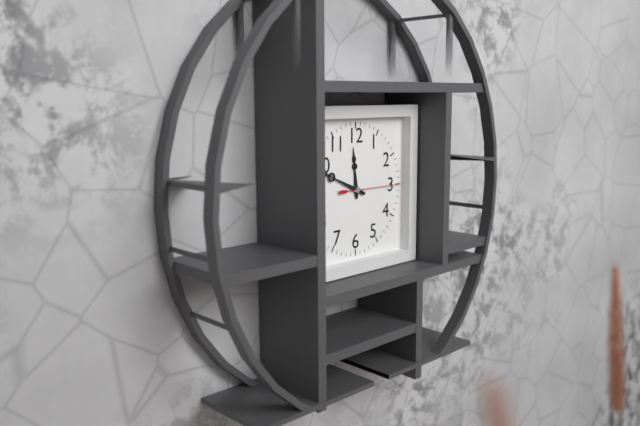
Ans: 11:49:15
